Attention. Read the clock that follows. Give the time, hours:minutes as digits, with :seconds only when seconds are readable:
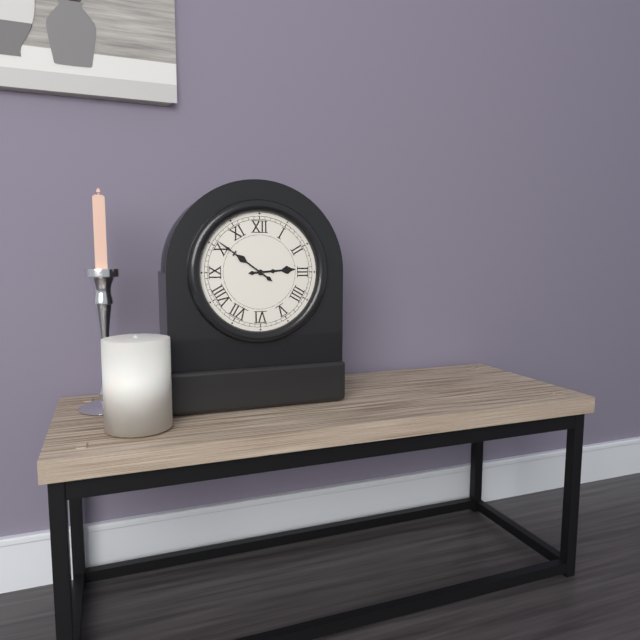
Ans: 2:51
